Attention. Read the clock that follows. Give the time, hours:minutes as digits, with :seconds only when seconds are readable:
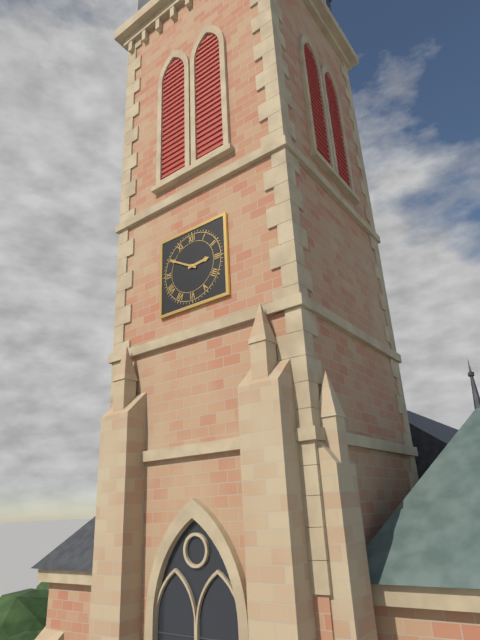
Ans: 2:50
